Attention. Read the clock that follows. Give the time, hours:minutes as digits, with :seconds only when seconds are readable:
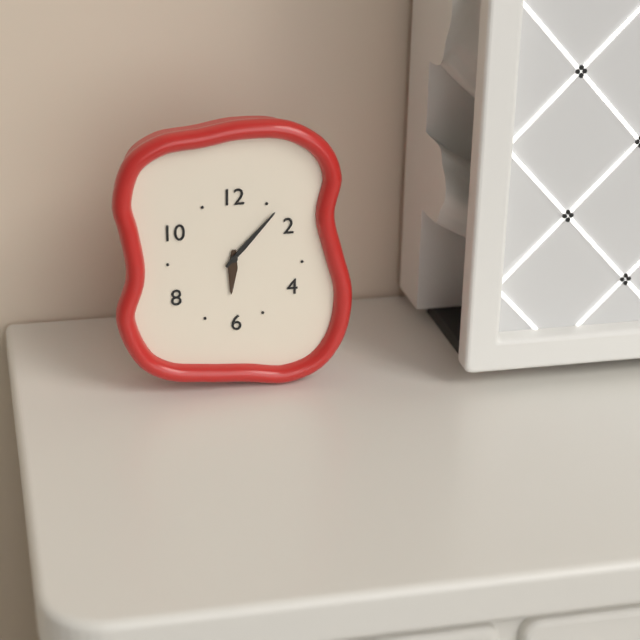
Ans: 6:07
